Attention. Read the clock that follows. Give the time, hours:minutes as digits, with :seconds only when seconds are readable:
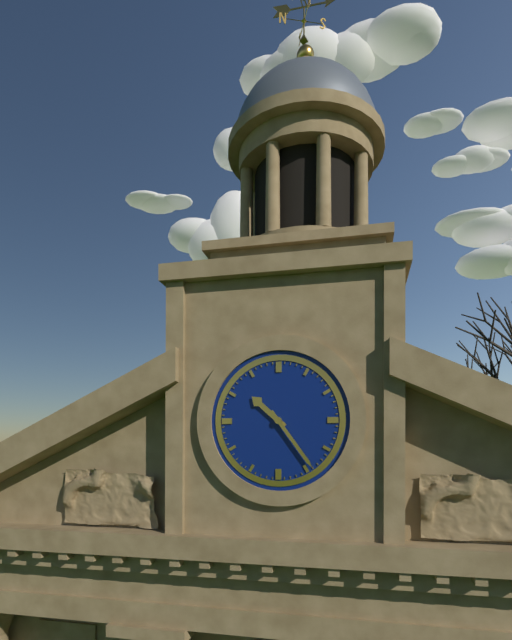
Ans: 10:24
